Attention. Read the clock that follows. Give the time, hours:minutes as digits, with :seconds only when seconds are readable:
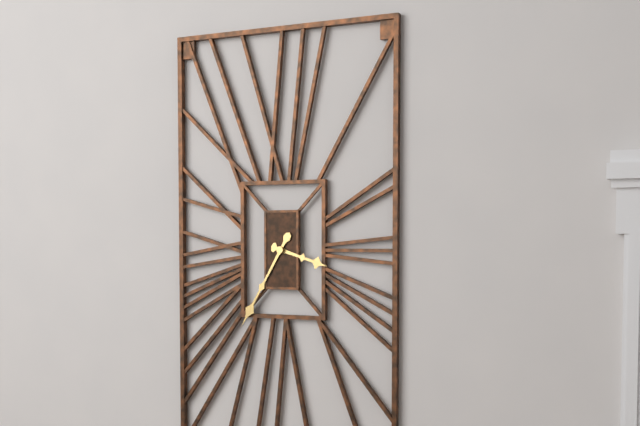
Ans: 3:35
